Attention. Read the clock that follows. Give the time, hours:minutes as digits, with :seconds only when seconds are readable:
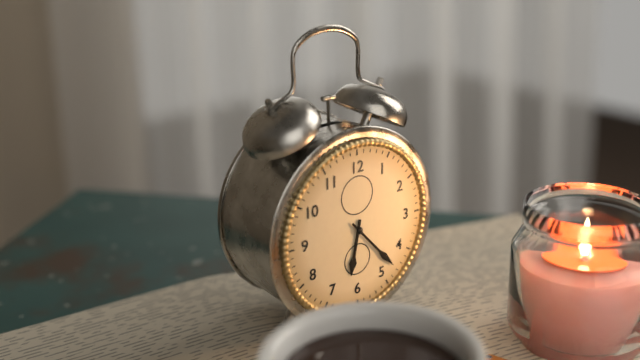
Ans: 6:23
